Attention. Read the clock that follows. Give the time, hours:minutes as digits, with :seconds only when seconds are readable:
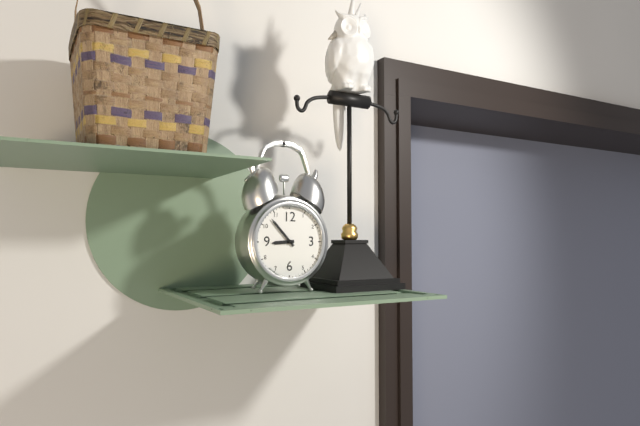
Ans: 8:53
